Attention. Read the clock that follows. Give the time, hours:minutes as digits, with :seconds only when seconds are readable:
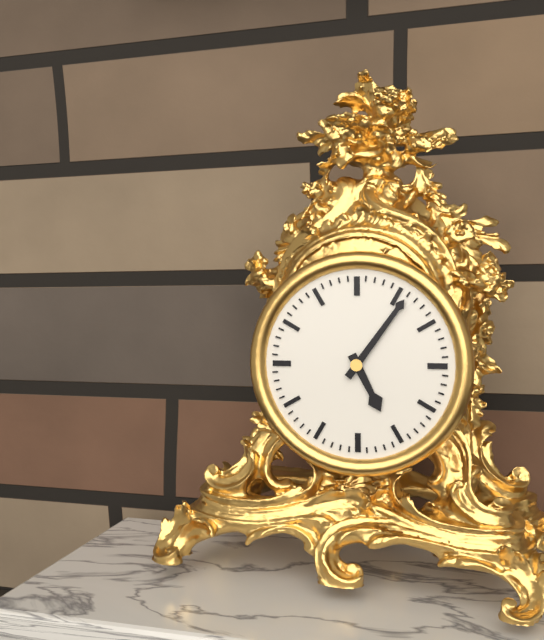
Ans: 5:06
